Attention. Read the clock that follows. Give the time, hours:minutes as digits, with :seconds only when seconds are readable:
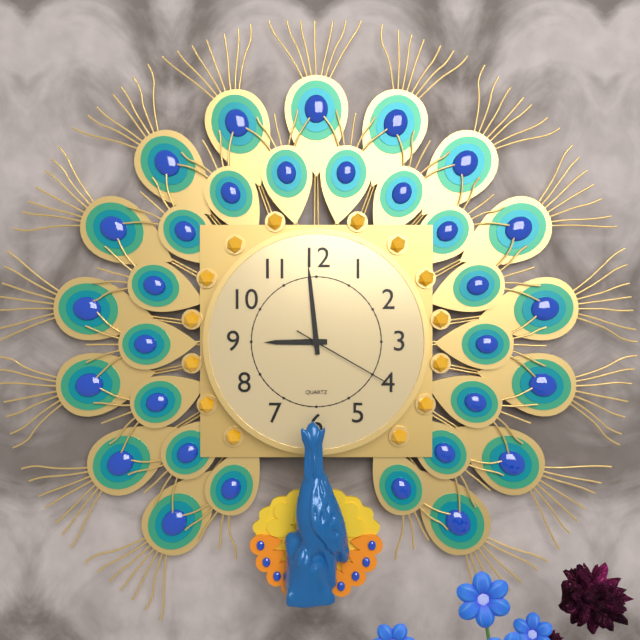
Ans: 8:59:20
